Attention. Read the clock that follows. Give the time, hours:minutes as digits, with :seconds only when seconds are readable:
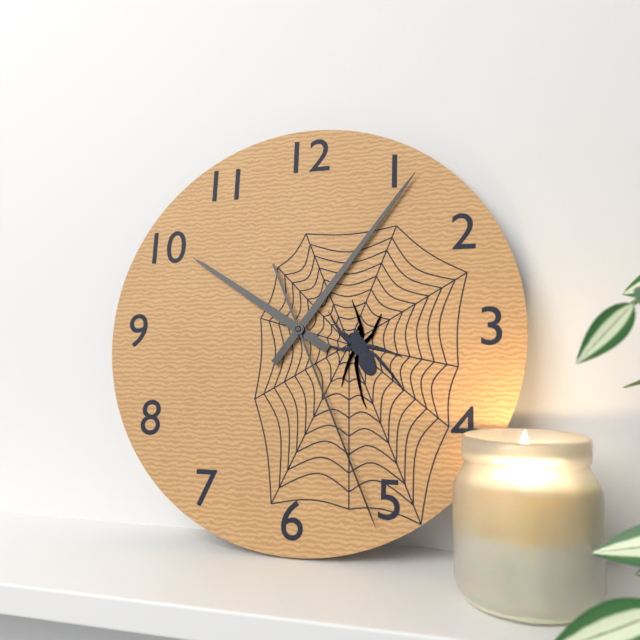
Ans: 10:06:26
